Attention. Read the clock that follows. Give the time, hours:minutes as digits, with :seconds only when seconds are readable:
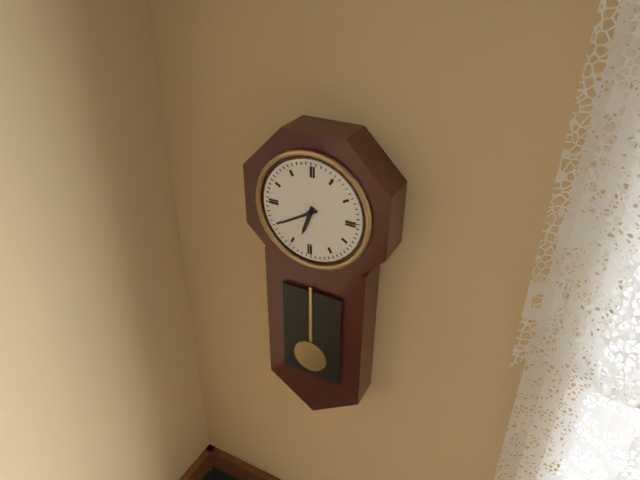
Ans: 6:40
